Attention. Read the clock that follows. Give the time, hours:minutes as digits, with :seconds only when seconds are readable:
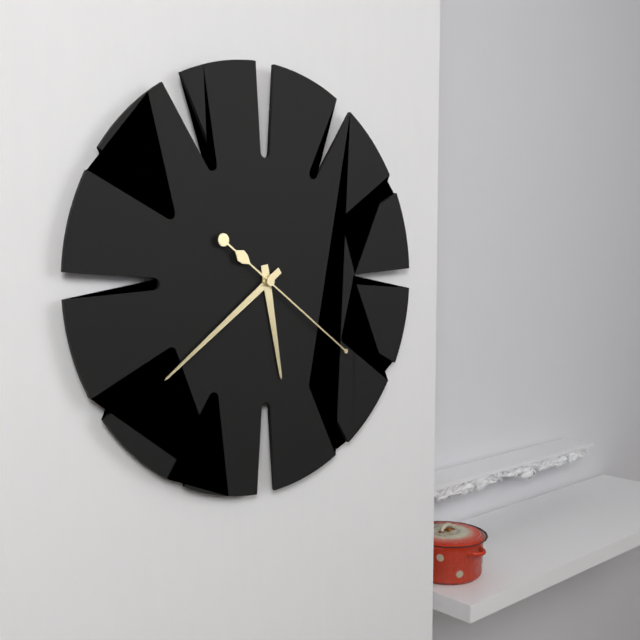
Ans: 5:39:21
